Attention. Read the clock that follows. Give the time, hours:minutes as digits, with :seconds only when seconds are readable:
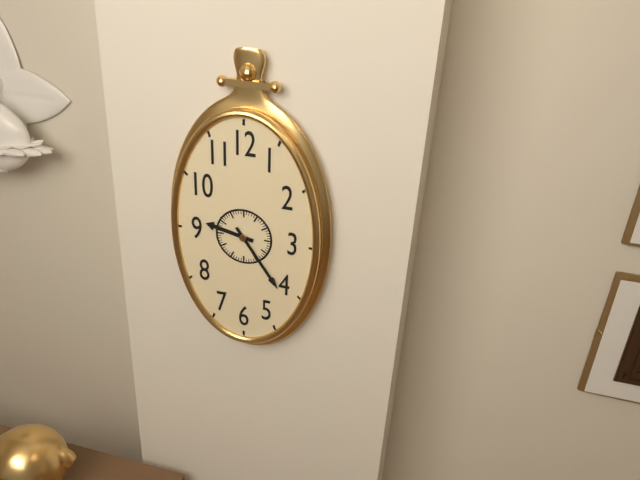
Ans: 9:24
